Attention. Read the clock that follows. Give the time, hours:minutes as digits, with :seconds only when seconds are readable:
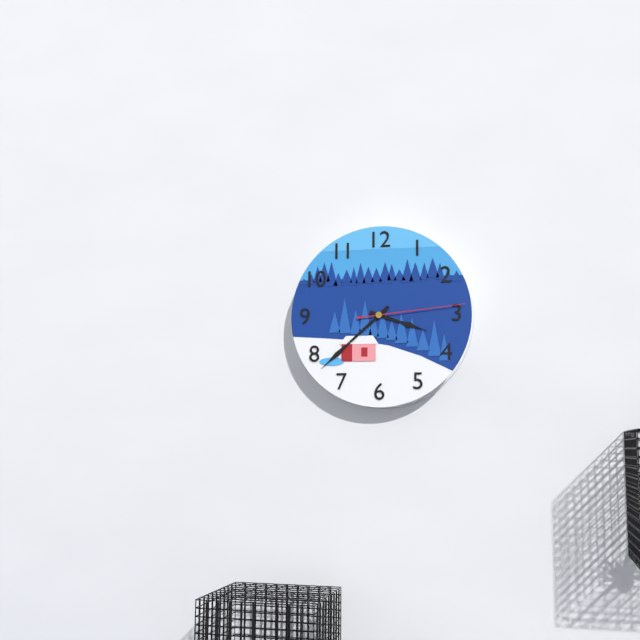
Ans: 3:38:14
